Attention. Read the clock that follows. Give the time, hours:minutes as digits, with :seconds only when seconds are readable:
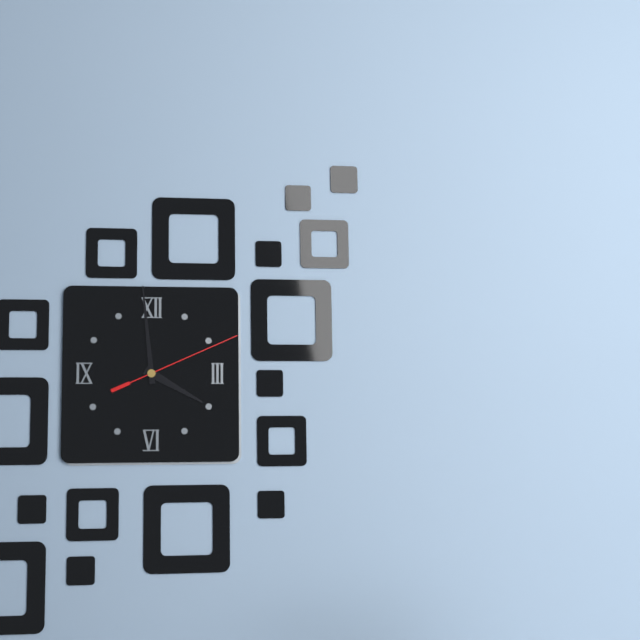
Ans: 3:59:11
